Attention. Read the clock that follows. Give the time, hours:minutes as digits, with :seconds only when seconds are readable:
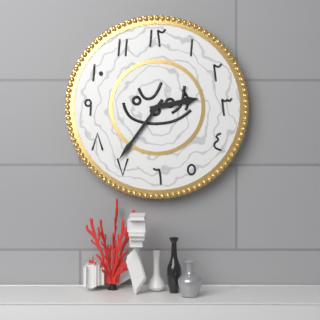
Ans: 2:36
